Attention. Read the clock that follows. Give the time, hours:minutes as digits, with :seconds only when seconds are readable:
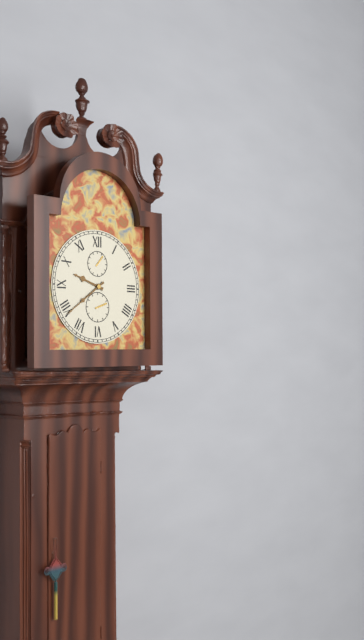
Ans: 9:39
